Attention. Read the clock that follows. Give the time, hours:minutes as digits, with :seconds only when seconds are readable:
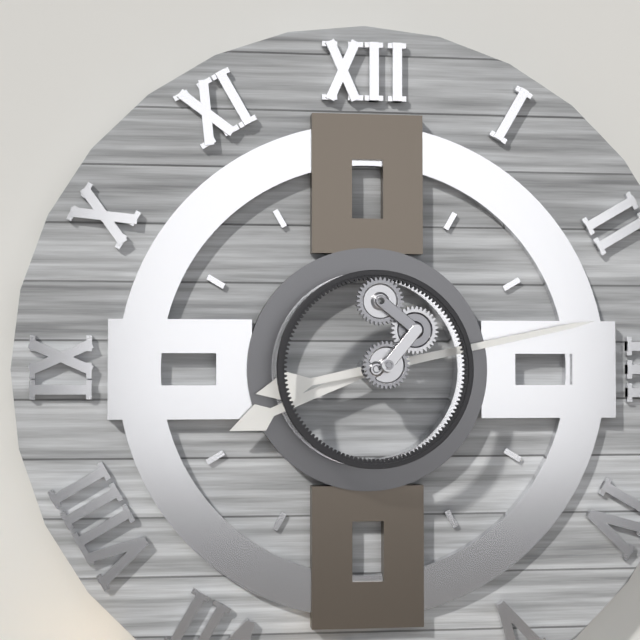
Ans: 8:13
